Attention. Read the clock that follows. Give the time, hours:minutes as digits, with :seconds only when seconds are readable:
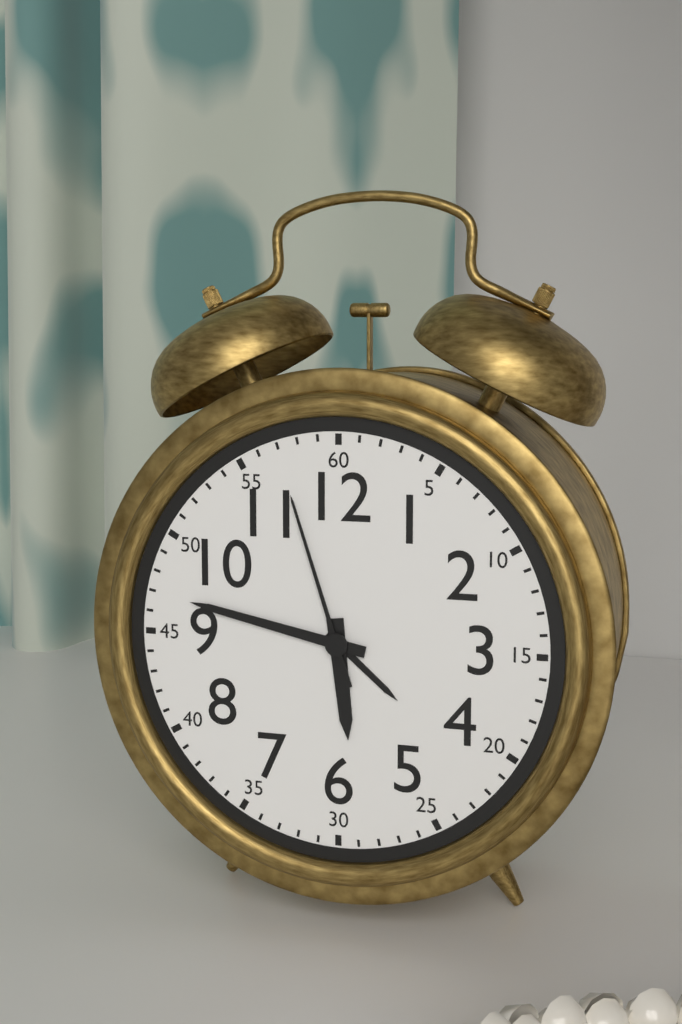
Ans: 5:47:57
